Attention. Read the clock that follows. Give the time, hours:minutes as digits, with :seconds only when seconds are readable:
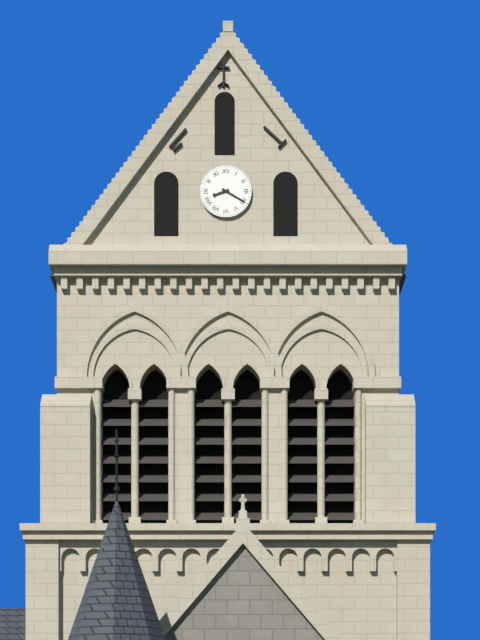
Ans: 8:20
